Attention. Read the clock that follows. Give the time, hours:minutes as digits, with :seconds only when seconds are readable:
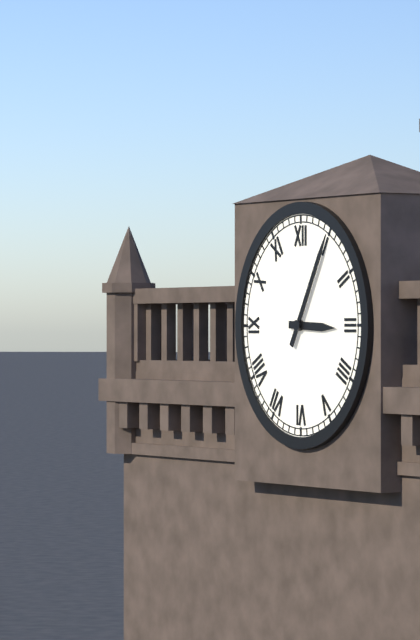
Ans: 3:05
